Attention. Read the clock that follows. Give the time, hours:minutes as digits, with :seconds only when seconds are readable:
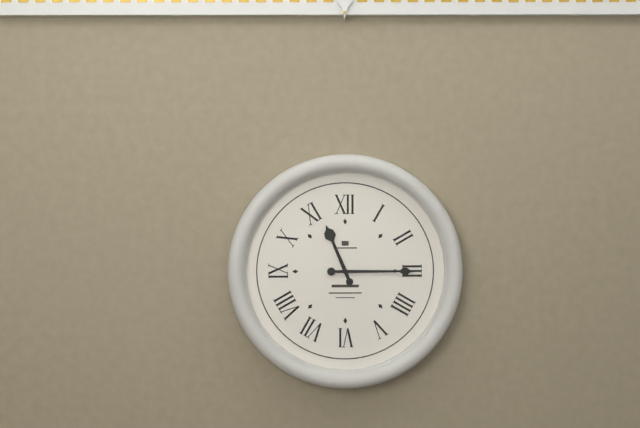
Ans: 11:15
